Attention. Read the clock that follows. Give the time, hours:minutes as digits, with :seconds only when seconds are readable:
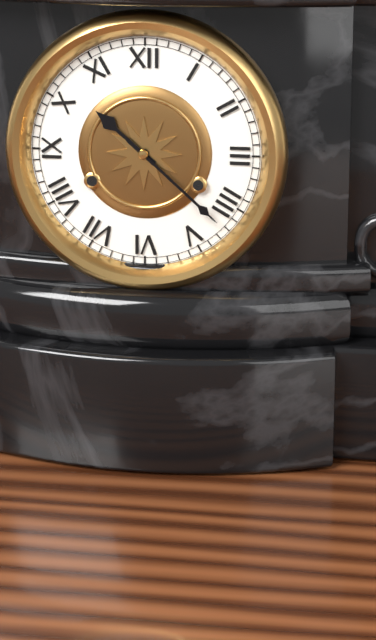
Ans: 10:22
